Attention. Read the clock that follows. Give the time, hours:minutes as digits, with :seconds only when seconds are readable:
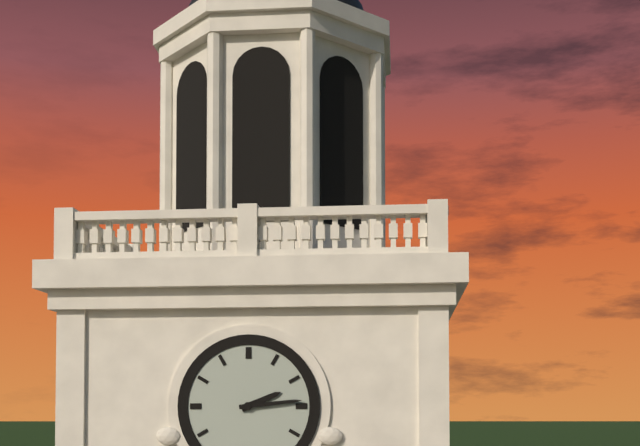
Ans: 2:14
